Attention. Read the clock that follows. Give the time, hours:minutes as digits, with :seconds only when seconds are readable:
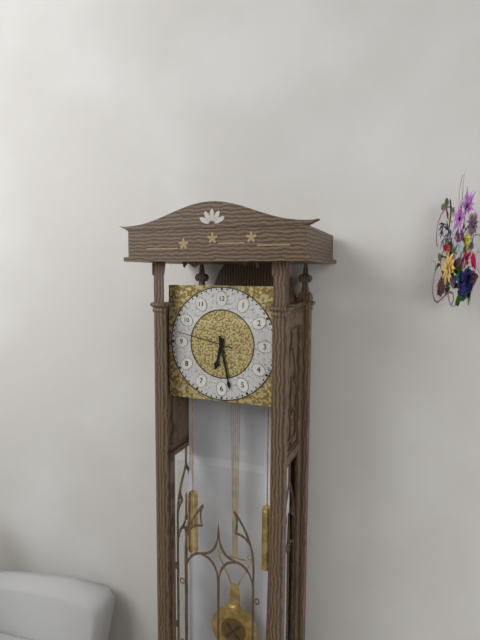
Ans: 6:28:47
